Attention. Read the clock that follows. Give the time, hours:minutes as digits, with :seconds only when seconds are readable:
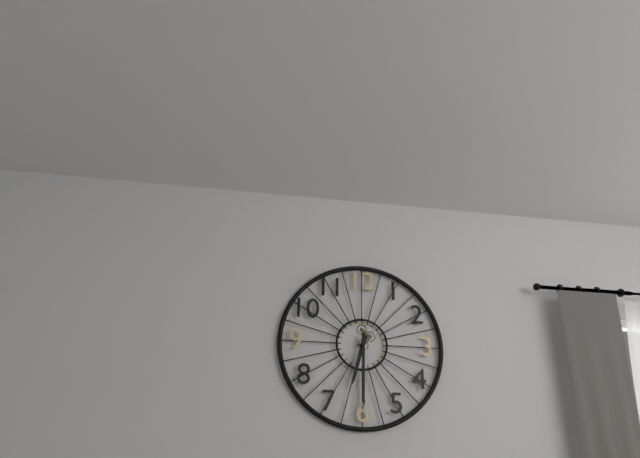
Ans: 6:30
